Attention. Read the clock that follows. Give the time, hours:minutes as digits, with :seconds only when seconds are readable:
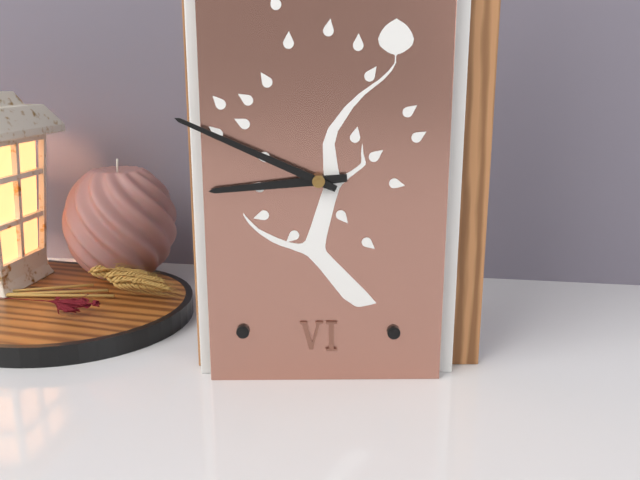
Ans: 8:49
